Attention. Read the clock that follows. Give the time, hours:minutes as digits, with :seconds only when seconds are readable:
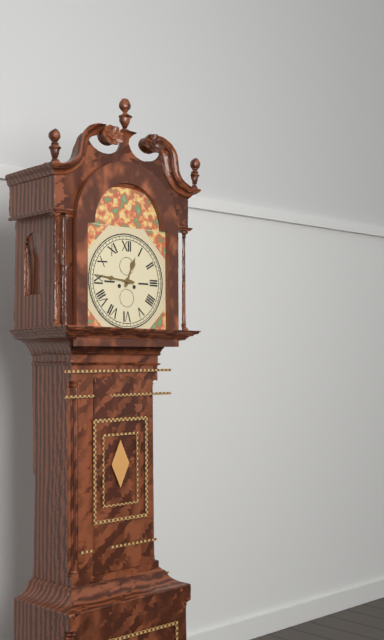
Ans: 12:46
